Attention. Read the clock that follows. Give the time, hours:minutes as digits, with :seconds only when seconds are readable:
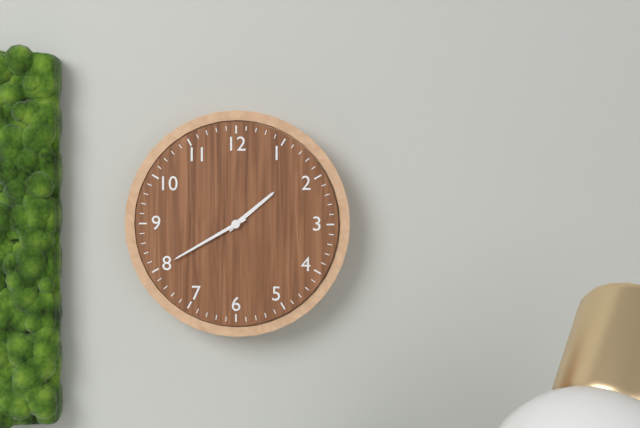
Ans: 1:40
